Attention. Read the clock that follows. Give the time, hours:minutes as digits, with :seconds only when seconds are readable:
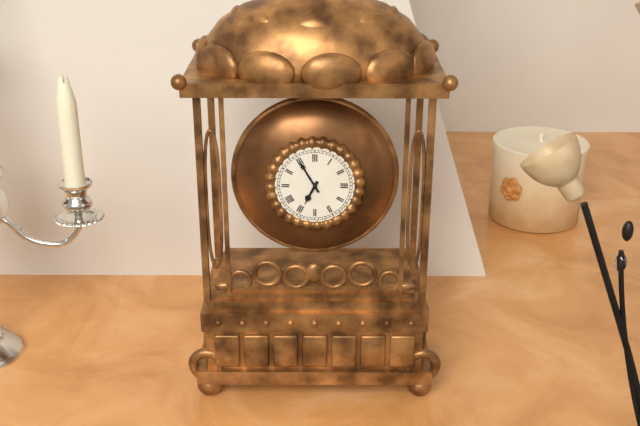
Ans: 6:55
